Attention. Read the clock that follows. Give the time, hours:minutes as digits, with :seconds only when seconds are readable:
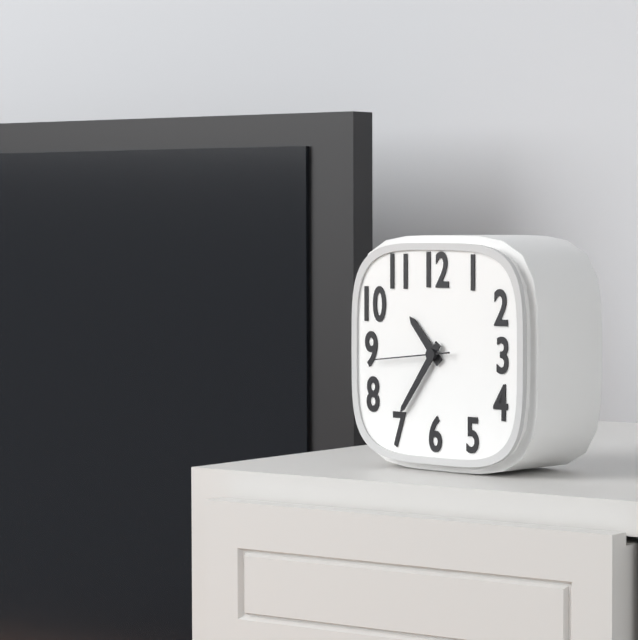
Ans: 10:36:44
